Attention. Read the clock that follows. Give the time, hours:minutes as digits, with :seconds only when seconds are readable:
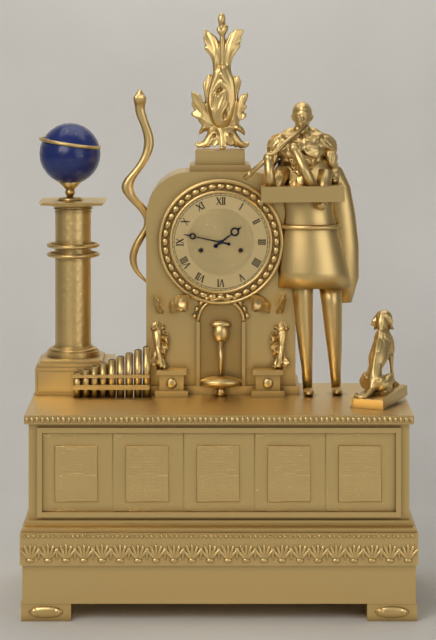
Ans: 1:47
